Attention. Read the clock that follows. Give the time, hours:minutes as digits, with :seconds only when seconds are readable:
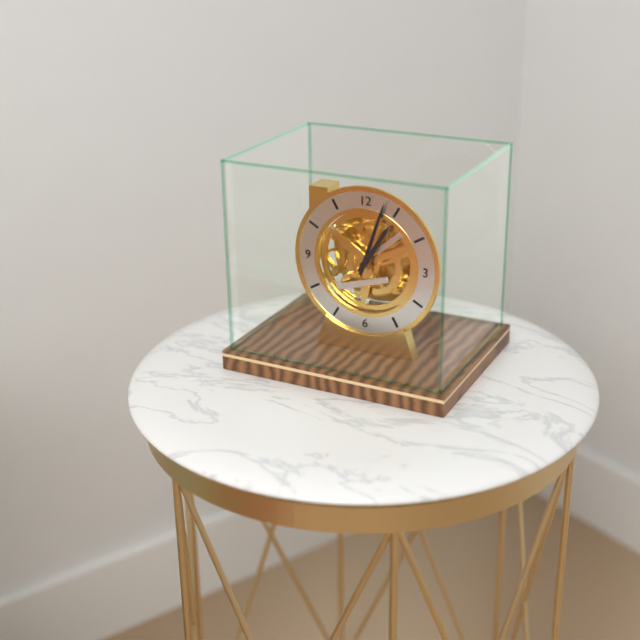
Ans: 1:03
